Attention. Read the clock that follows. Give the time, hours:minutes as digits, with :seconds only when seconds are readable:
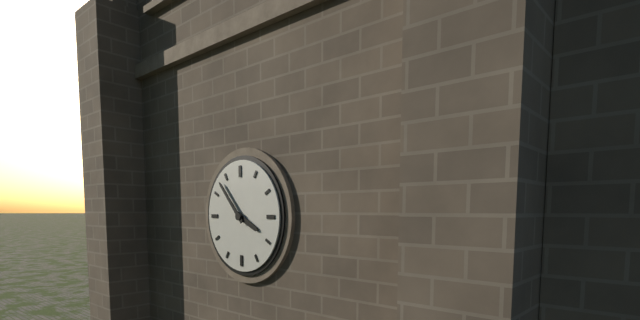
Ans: 3:53
